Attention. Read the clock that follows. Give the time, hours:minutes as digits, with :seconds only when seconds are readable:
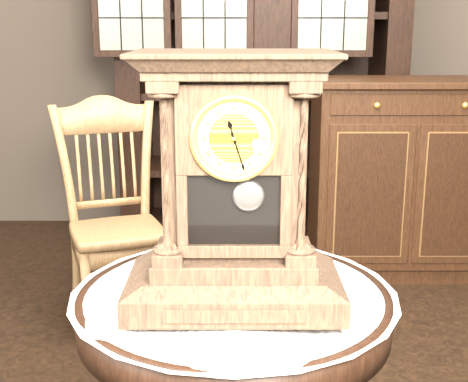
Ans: 11:27
